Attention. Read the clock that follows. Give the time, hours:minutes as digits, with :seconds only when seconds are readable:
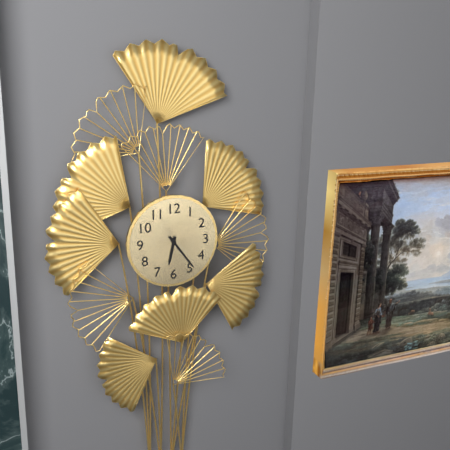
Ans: 6:24
